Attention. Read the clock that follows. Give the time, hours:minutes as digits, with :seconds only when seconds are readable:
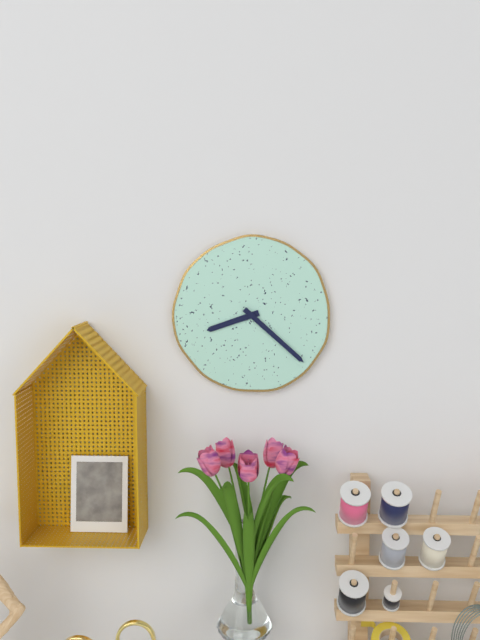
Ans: 8:22
